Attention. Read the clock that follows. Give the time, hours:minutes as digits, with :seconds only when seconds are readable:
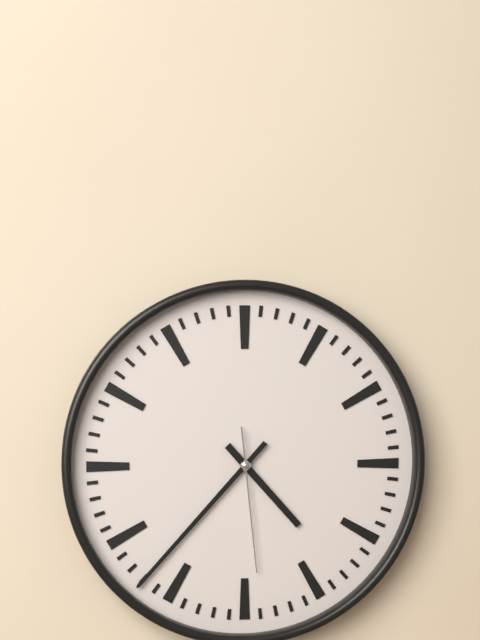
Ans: 4:37:29
